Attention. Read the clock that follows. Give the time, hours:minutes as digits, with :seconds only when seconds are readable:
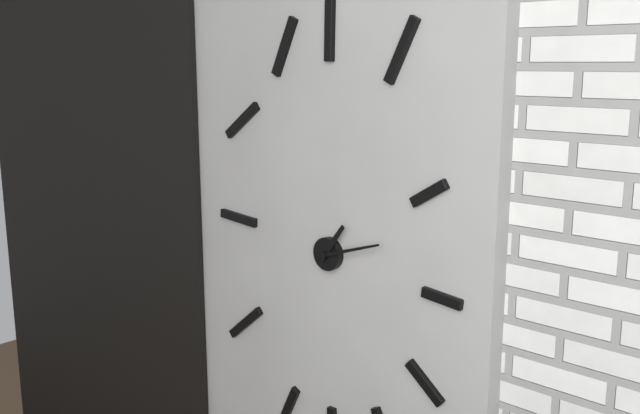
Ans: 1:12
